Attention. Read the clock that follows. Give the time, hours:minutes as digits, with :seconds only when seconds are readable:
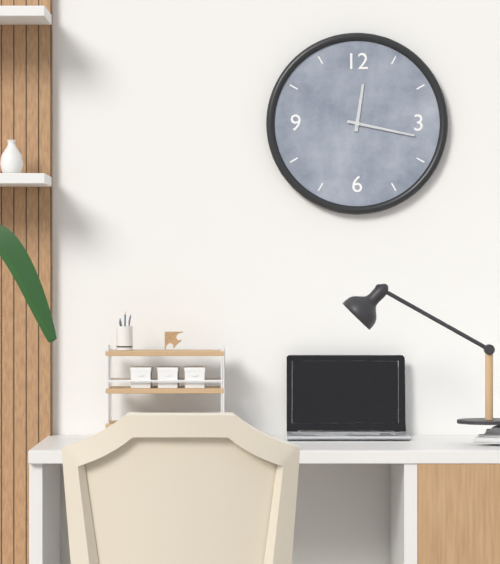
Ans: 12:17
